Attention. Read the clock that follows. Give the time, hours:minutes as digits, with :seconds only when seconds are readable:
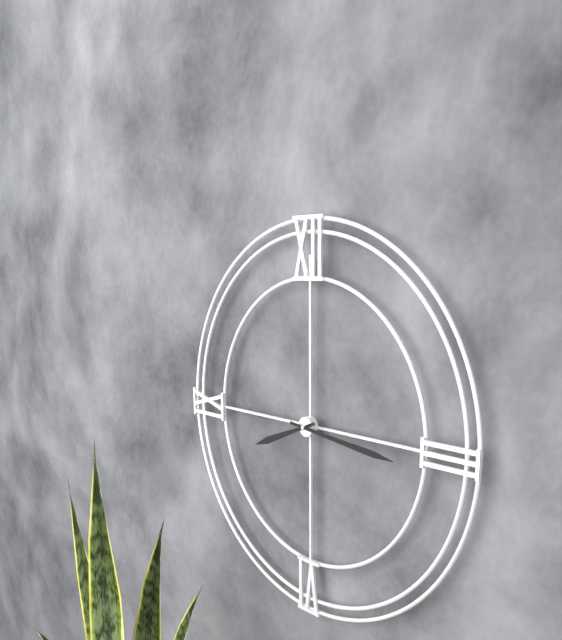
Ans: 8:16
